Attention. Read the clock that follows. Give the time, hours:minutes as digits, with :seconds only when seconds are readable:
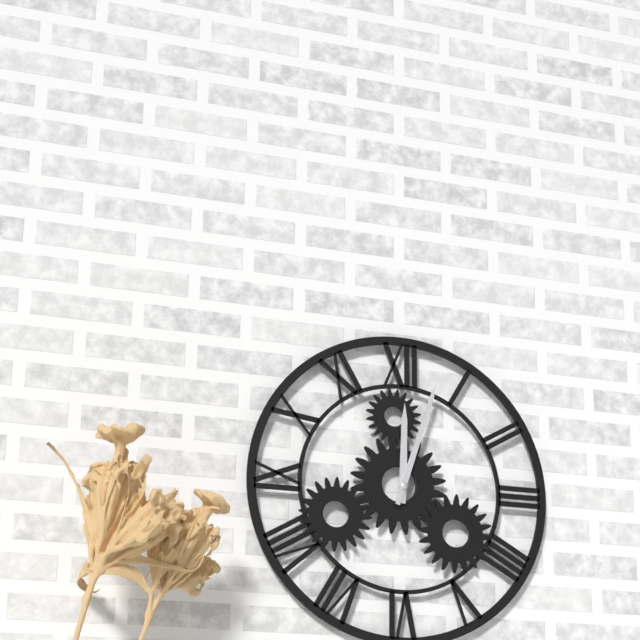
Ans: 12:03
